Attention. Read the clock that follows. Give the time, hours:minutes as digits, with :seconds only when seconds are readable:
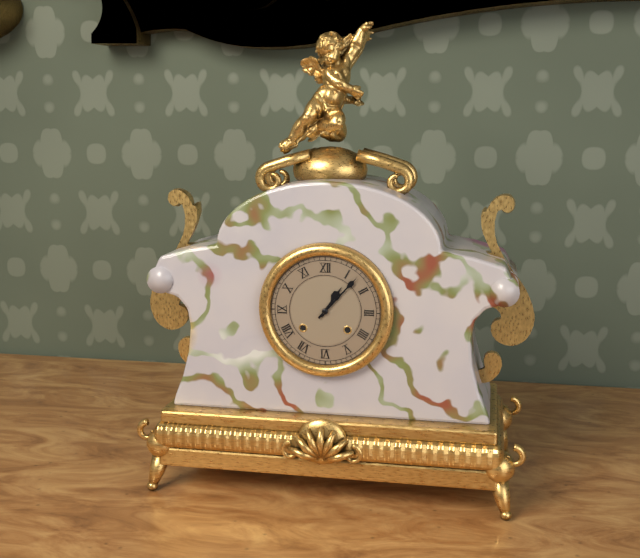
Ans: 1:07
